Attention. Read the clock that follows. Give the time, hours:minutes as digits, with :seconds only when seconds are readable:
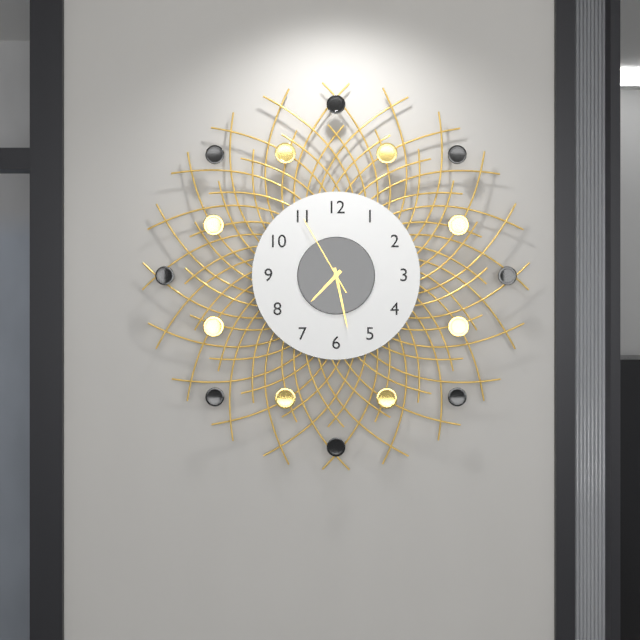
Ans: 7:28:55
